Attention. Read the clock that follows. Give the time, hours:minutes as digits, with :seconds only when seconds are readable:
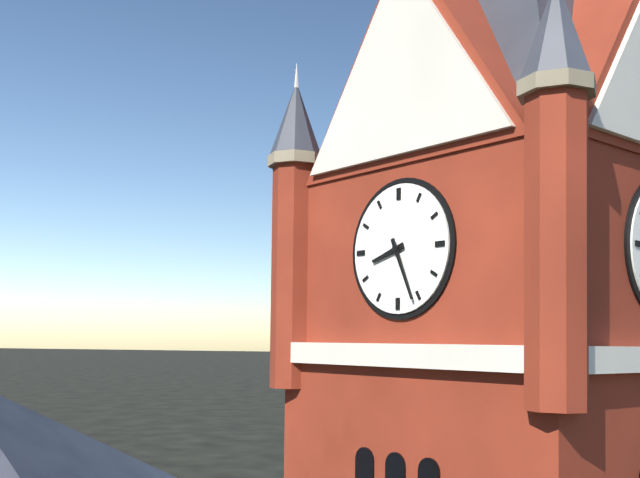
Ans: 8:26
